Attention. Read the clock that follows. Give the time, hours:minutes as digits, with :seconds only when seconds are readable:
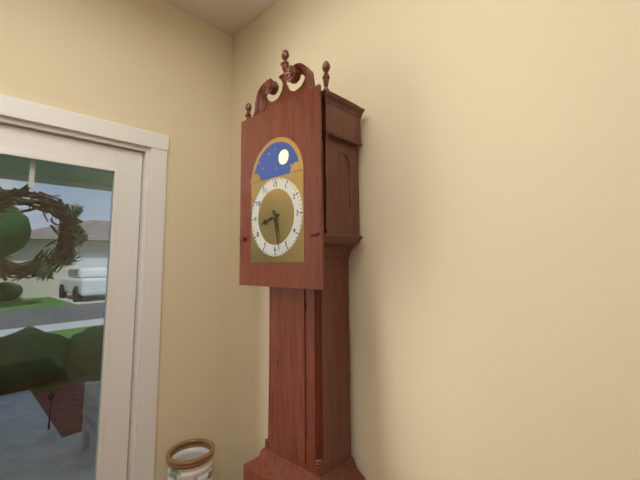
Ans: 8:28
